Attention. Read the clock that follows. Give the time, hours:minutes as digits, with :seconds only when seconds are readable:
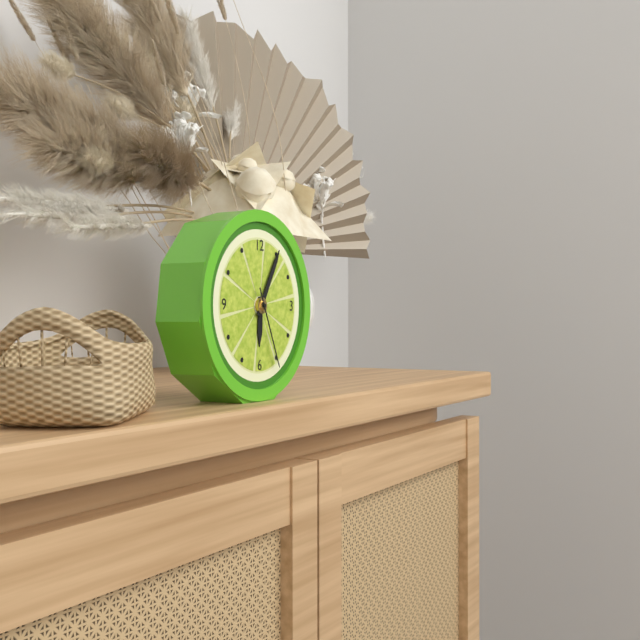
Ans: 6:05:26
